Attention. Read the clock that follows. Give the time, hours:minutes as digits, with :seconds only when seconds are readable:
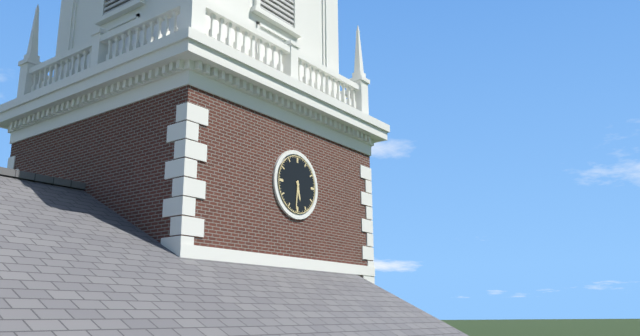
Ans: 5:31
